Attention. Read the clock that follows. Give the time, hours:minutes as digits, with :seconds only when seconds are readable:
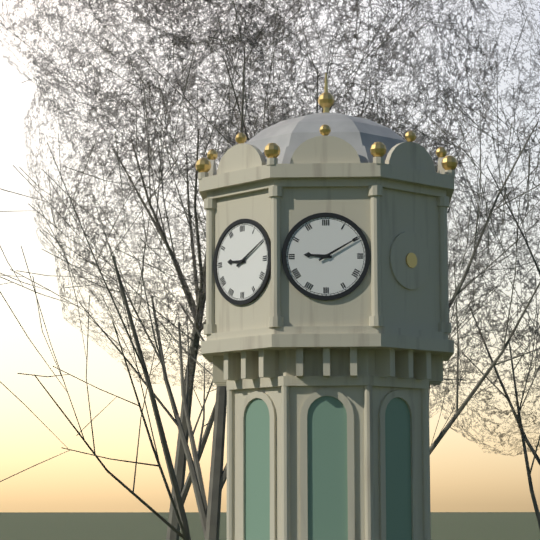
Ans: 9:10
